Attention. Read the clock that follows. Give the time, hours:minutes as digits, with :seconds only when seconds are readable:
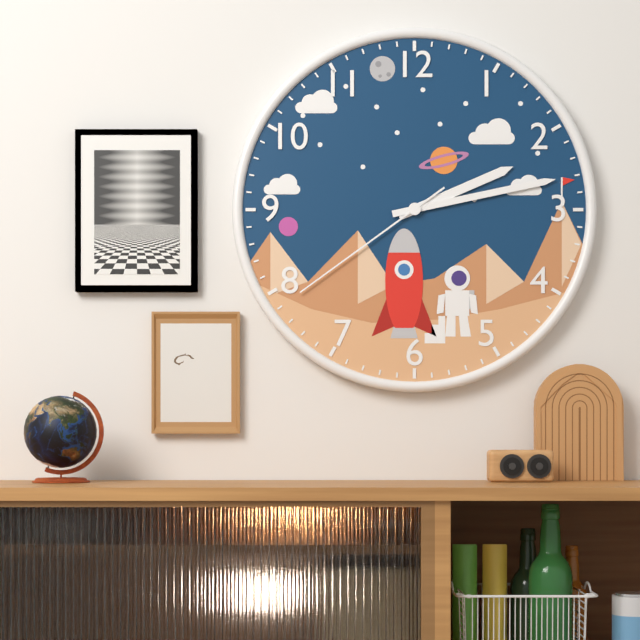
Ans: 2:13:39
